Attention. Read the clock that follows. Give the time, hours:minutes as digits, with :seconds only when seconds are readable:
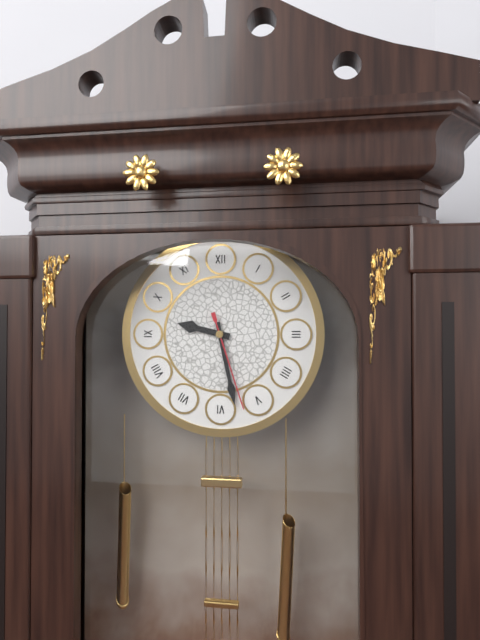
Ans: 9:28:27
